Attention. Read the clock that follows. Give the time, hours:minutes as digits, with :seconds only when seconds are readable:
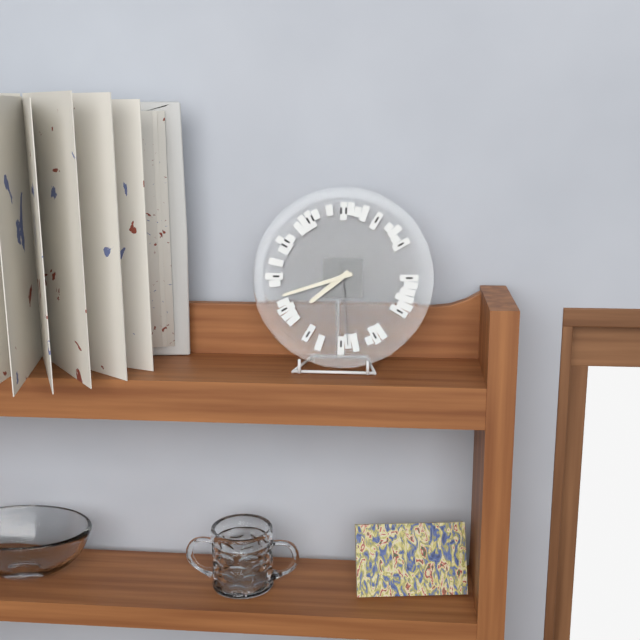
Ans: 7:42:29
